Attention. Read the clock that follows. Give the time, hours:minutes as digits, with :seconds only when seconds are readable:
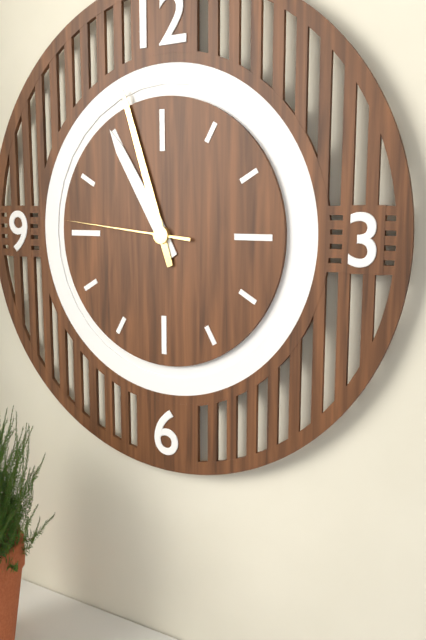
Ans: 10:57:46
